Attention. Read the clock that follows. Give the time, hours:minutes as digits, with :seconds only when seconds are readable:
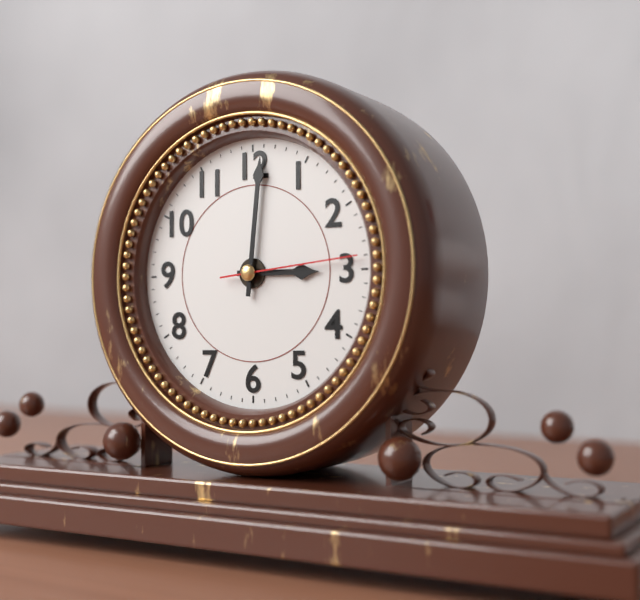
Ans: 3:01:14
